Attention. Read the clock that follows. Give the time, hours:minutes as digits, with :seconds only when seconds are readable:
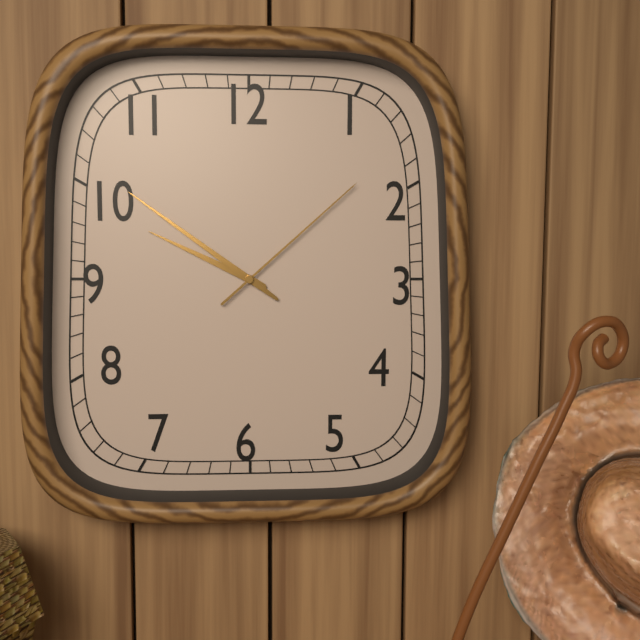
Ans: 9:51:08
